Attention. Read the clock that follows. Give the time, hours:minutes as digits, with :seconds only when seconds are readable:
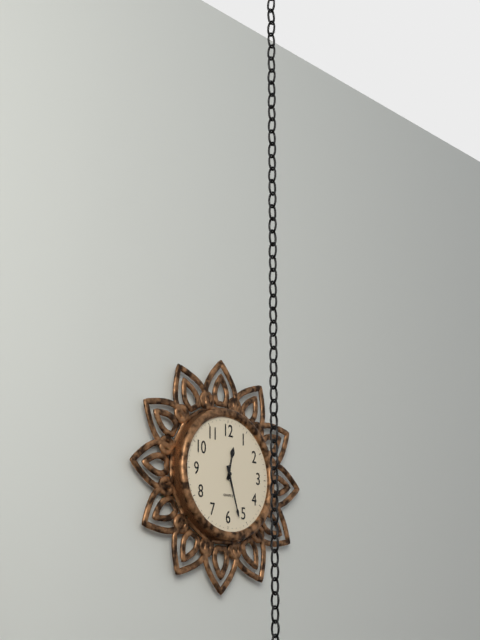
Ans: 12:27
